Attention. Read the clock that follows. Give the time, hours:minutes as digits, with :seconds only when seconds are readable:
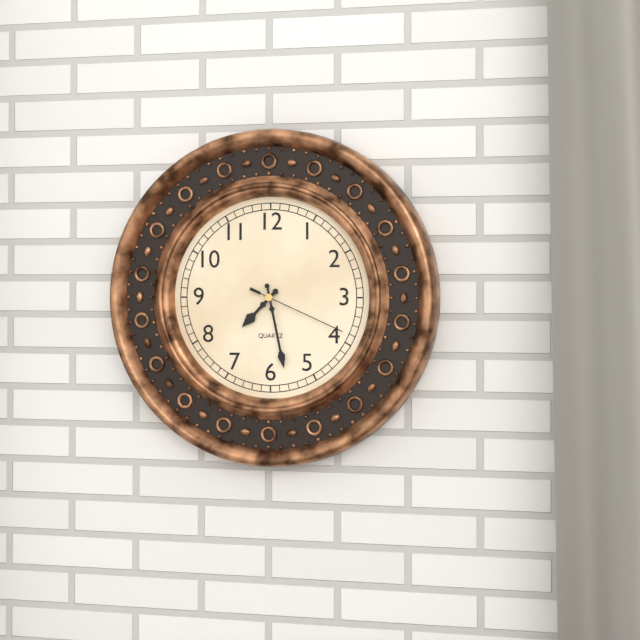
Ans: 7:28:19
